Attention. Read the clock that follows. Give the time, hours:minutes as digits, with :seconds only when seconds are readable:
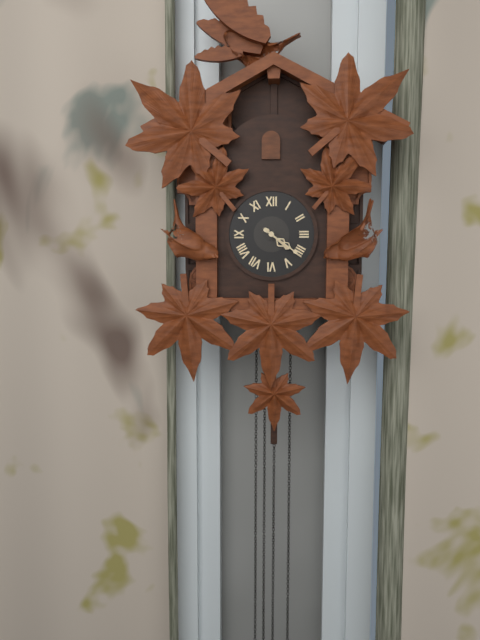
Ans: 4:21
